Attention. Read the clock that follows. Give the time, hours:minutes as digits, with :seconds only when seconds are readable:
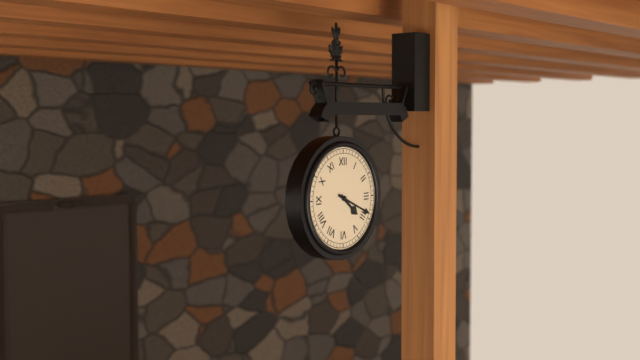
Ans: 4:19
